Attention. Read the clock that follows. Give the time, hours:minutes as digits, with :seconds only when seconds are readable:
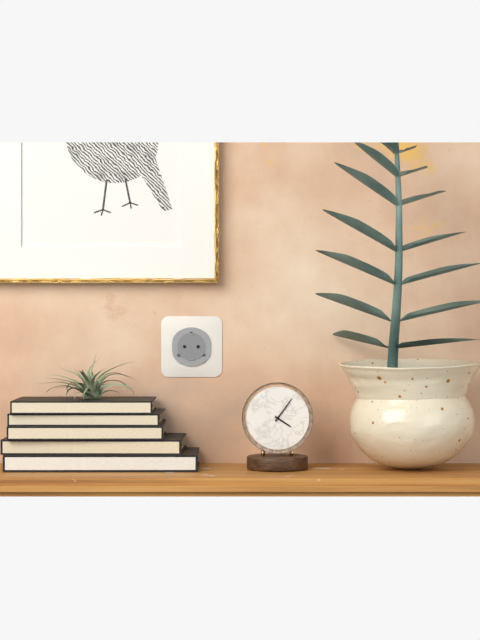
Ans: 4:06
